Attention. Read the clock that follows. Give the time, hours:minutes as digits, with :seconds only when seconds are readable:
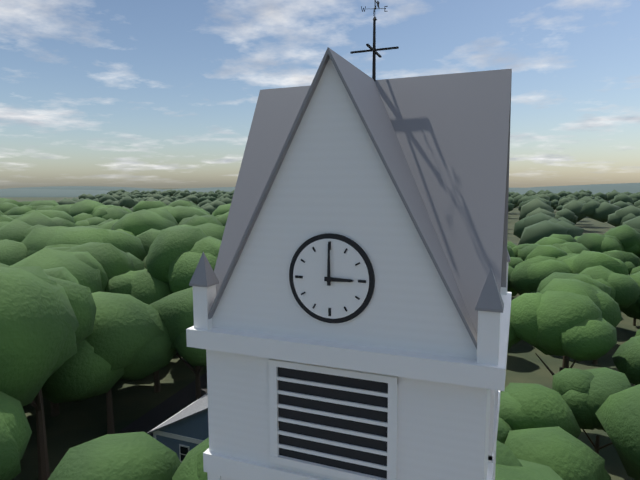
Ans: 3:00
